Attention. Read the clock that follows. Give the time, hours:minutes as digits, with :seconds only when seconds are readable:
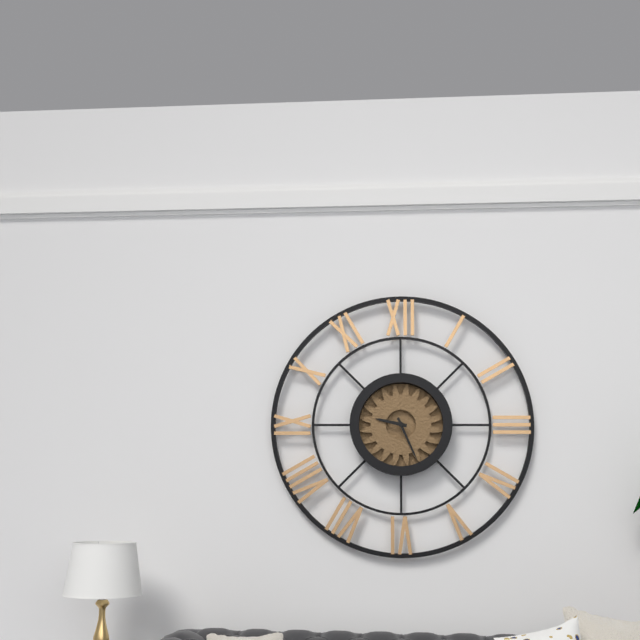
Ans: 9:26
